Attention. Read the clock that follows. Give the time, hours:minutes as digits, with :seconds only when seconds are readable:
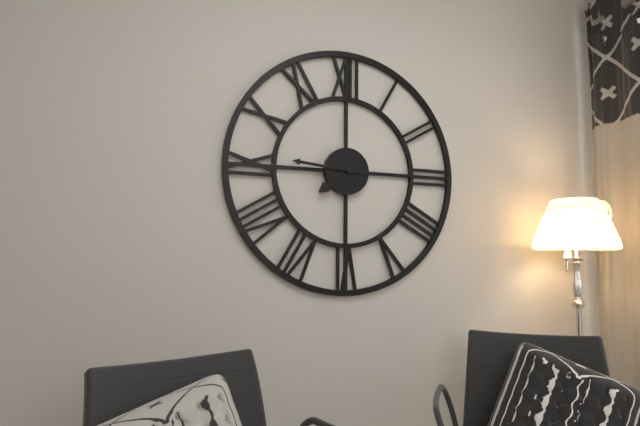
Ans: 7:46
